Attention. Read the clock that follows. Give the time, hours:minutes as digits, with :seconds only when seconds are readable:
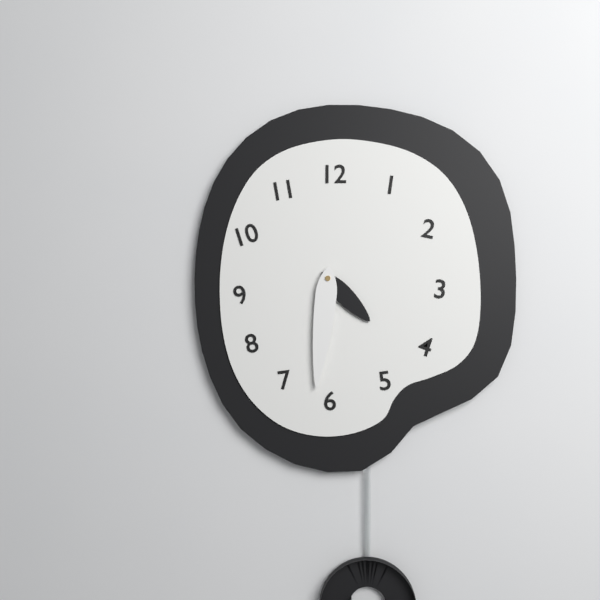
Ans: 4:31
